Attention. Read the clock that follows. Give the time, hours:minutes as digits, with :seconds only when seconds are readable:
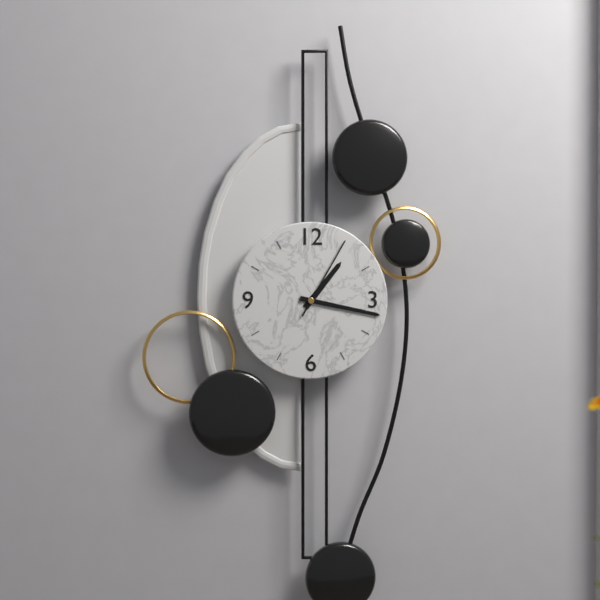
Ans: 1:17:05
